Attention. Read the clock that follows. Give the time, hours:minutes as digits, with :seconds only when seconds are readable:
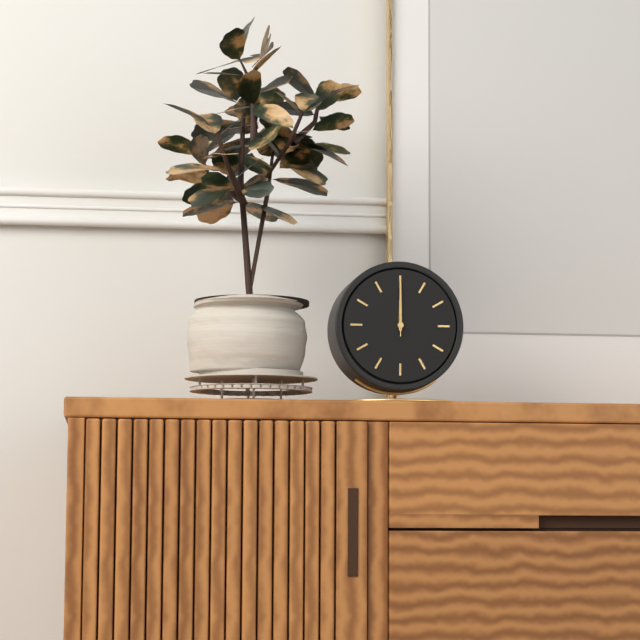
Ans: 12:00:00
